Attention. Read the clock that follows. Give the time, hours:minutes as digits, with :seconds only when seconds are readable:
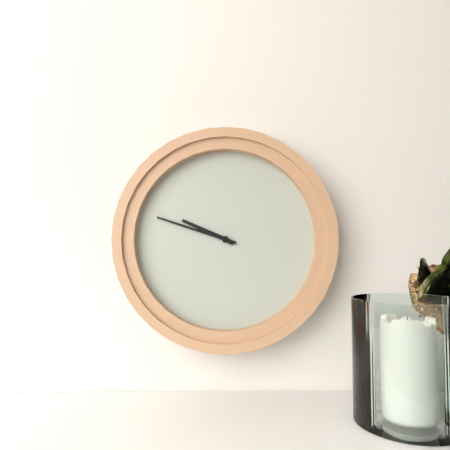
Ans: 9:48
